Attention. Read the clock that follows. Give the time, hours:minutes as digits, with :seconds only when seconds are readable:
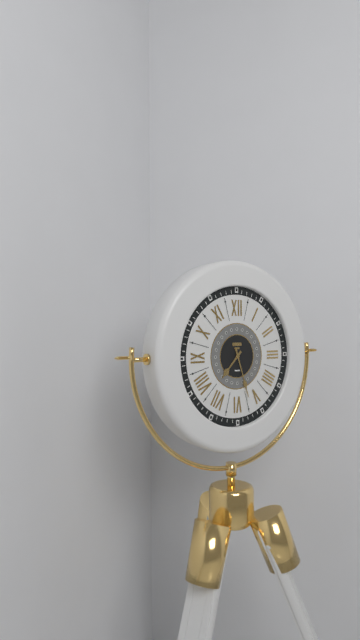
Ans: 7:27
